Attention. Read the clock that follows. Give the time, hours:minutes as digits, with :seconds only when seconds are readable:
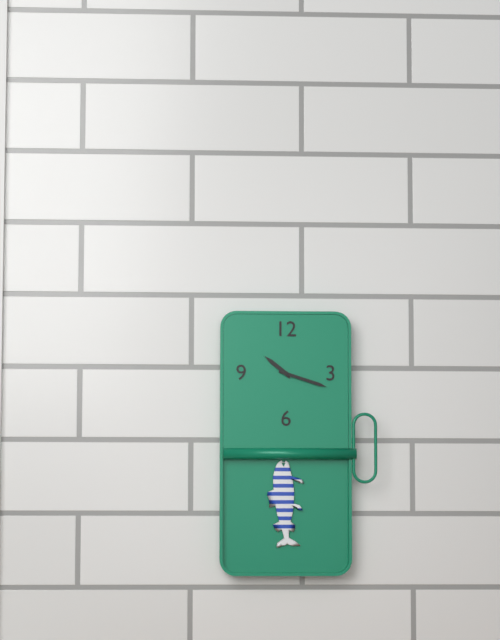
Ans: 10:18
